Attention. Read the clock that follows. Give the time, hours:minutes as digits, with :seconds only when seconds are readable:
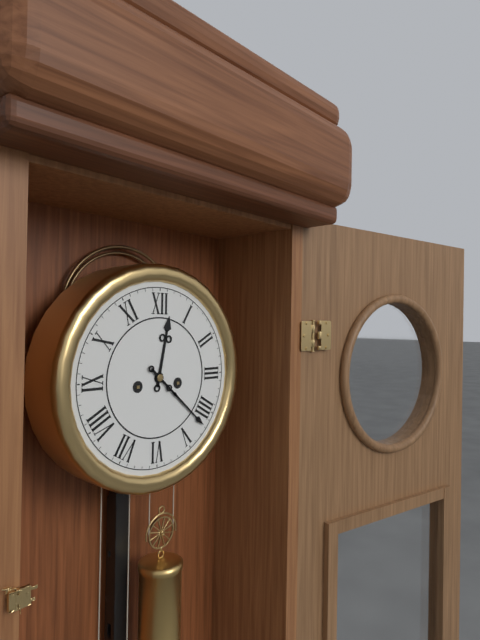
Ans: 12:22
